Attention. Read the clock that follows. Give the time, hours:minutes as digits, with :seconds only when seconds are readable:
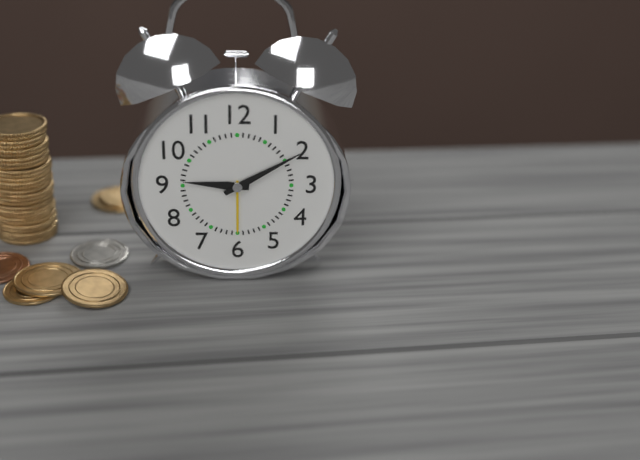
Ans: 9:10
